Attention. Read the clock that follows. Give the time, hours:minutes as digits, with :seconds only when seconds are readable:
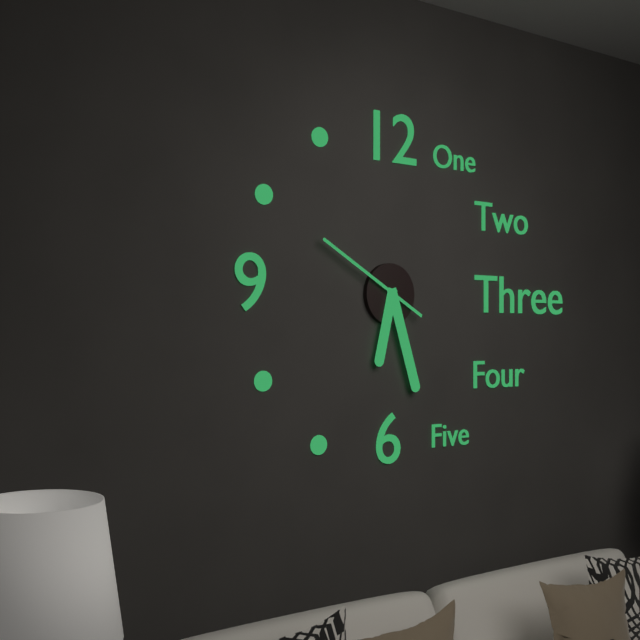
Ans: 6:27:50
